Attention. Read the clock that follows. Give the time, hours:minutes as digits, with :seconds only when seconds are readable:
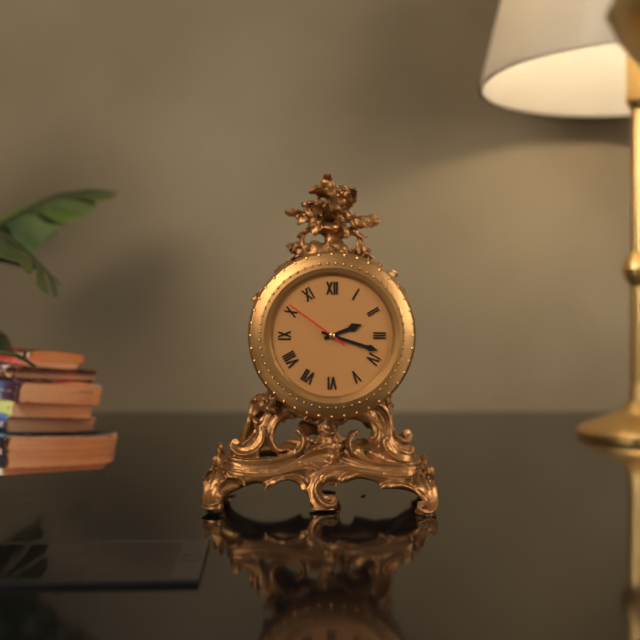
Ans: 2:18:51
